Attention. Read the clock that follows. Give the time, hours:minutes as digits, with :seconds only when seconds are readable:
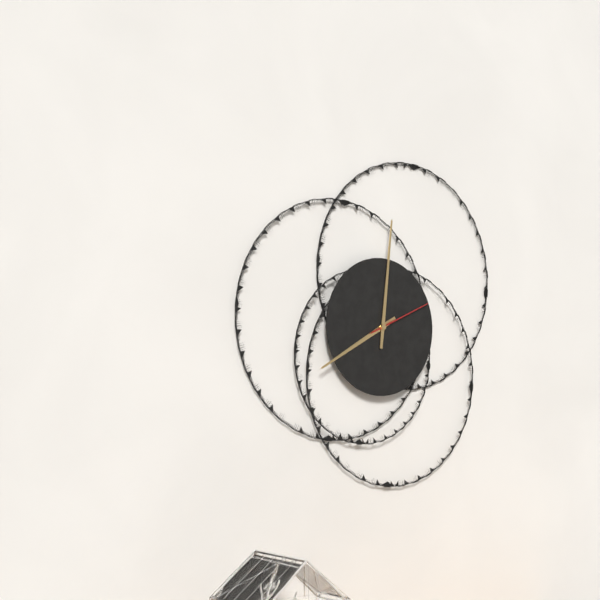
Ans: 8:01:11
